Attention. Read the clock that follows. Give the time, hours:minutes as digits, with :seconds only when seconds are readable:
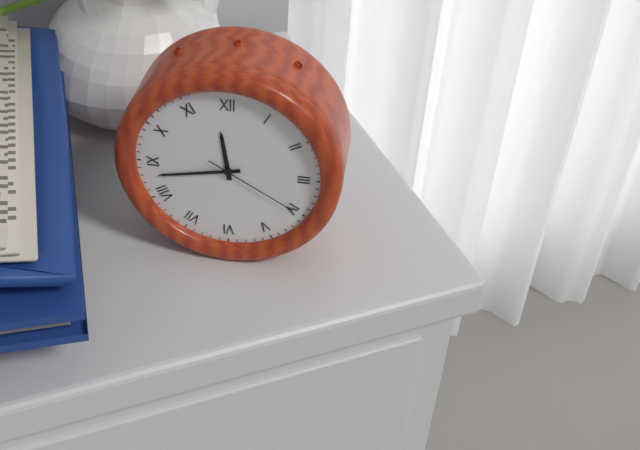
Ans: 11:43:20
